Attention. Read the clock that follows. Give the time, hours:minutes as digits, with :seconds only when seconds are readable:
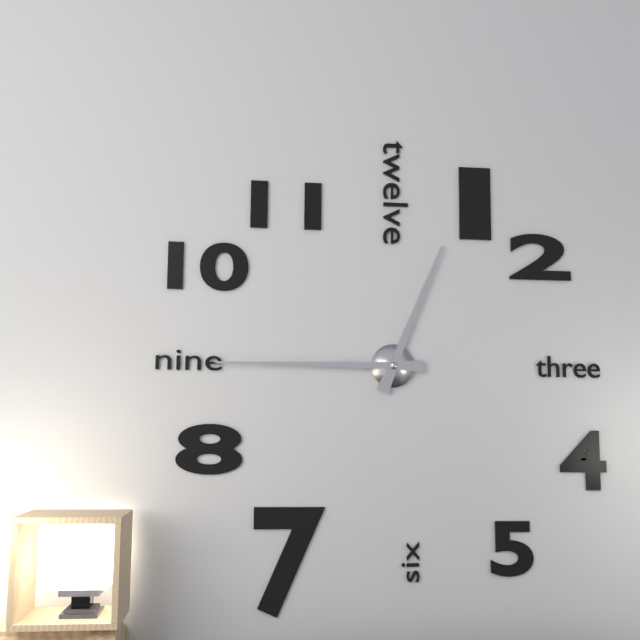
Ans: 12:45
